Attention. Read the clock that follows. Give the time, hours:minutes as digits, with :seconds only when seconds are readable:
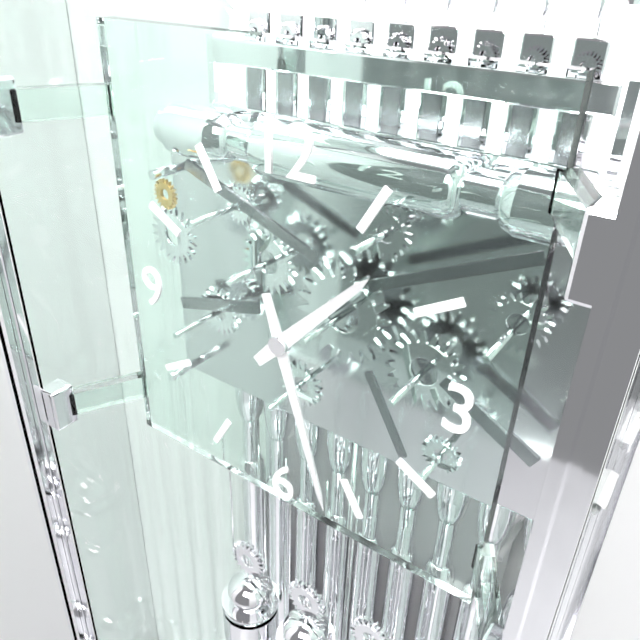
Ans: 1:27
